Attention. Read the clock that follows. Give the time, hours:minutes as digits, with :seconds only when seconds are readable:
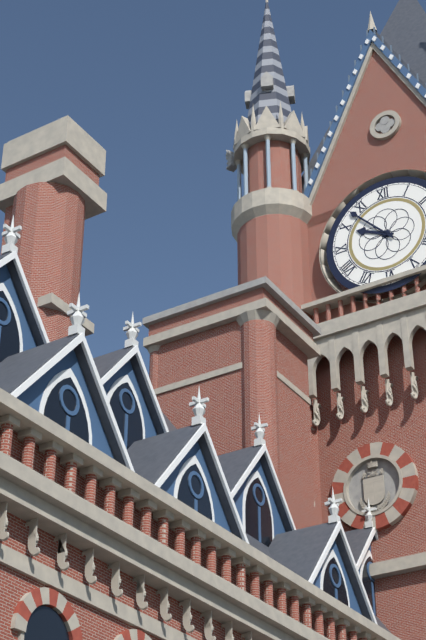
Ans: 9:53
